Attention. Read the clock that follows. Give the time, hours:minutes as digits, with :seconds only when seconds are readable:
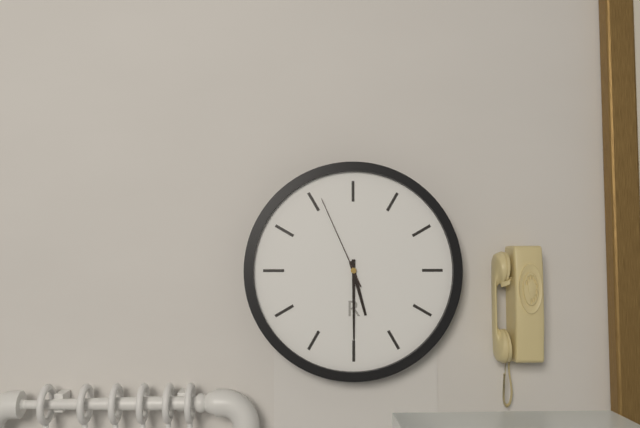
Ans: 5:30:56
